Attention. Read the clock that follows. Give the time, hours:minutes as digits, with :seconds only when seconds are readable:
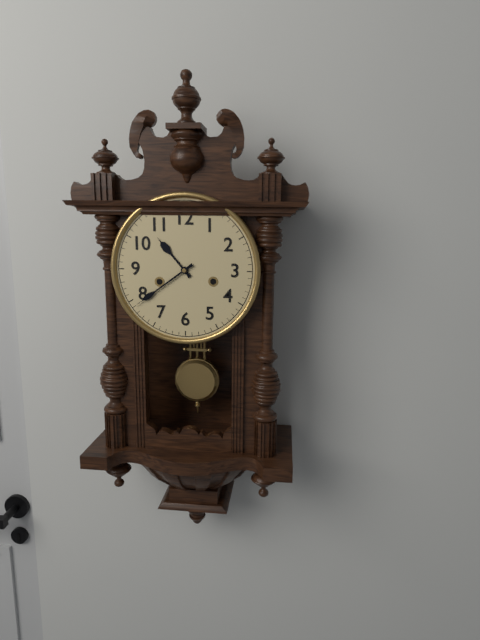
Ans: 10:39
